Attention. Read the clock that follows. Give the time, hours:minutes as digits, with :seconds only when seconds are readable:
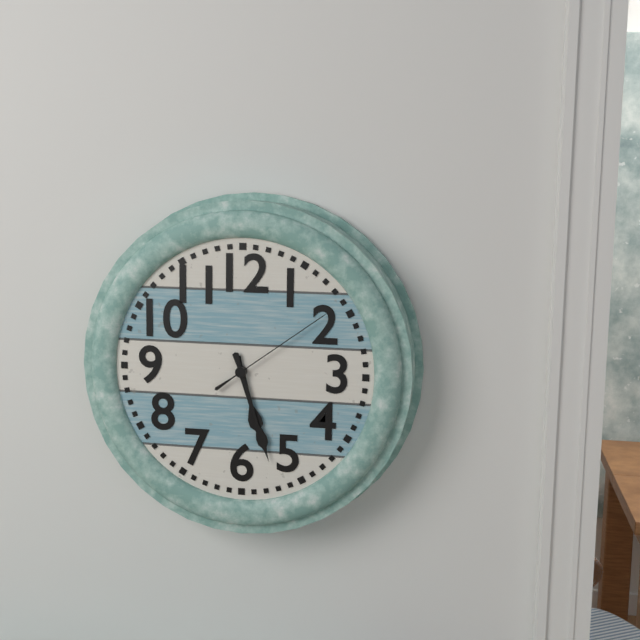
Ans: 5:27:09
